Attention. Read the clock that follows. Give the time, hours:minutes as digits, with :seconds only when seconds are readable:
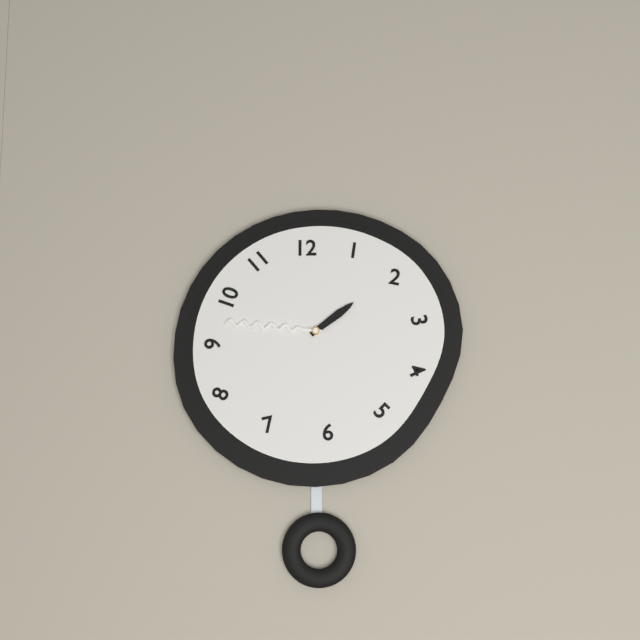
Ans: 1:46
